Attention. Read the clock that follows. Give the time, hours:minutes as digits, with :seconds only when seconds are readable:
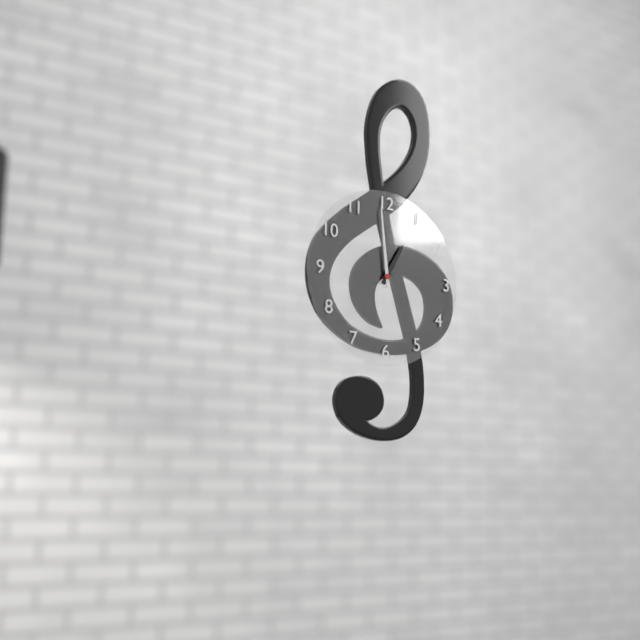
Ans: 12:59
